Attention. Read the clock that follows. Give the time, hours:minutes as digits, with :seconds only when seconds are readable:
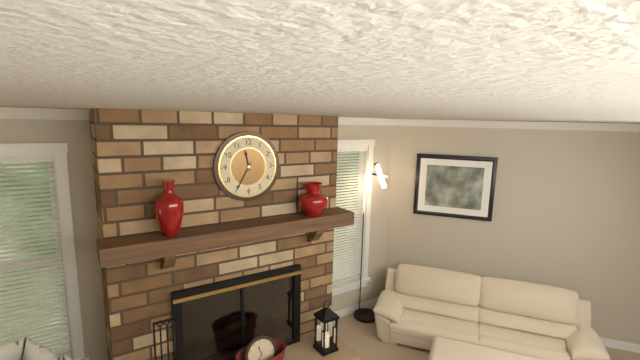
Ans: 11:35
